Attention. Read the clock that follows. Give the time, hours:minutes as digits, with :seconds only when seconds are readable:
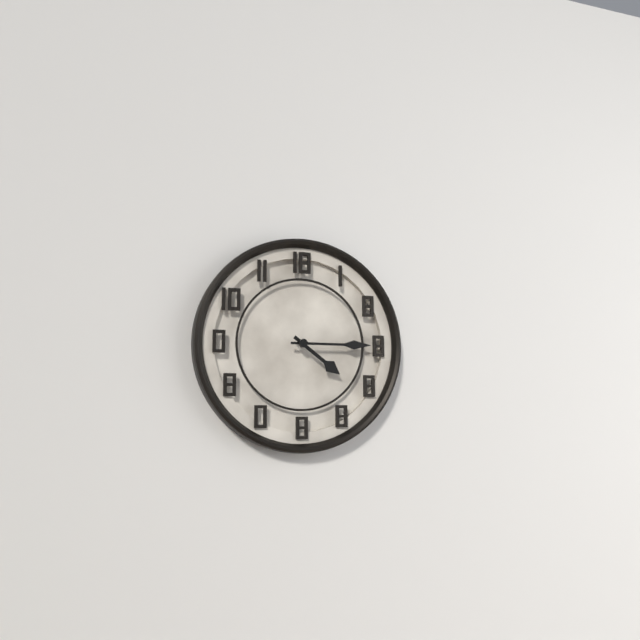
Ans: 4:15
